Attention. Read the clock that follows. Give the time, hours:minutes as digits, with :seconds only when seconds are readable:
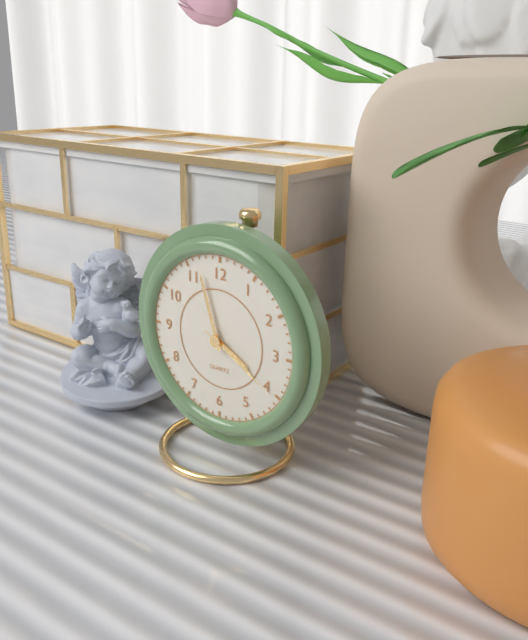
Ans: 3:57:20
